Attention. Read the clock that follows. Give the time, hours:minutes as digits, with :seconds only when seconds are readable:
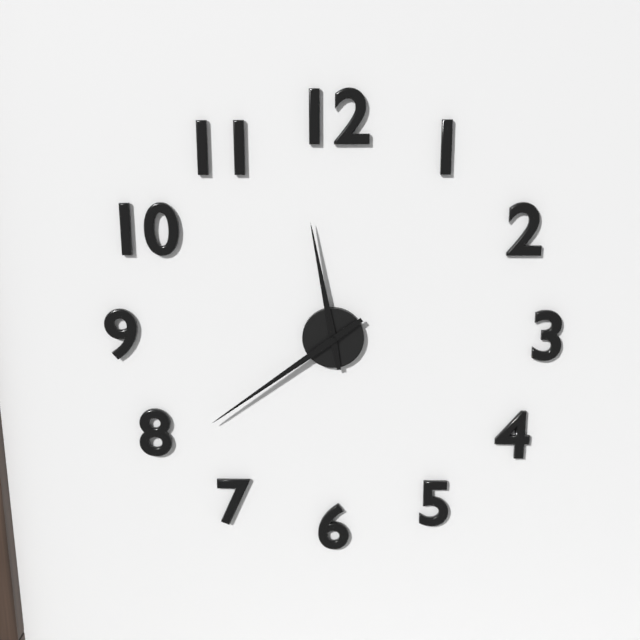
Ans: 11:39
